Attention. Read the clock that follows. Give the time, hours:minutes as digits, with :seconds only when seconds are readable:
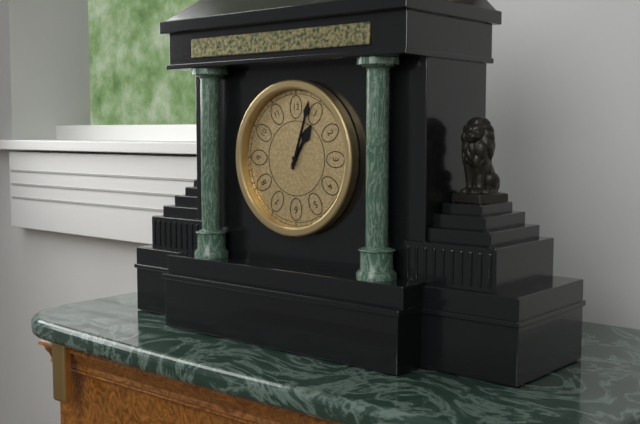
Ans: 1:03
